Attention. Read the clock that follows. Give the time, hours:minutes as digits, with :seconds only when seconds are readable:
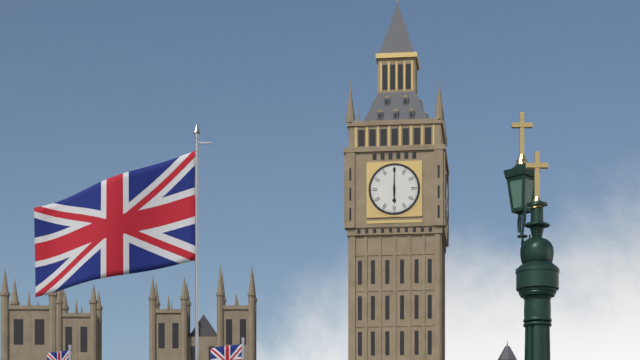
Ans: 6:00
